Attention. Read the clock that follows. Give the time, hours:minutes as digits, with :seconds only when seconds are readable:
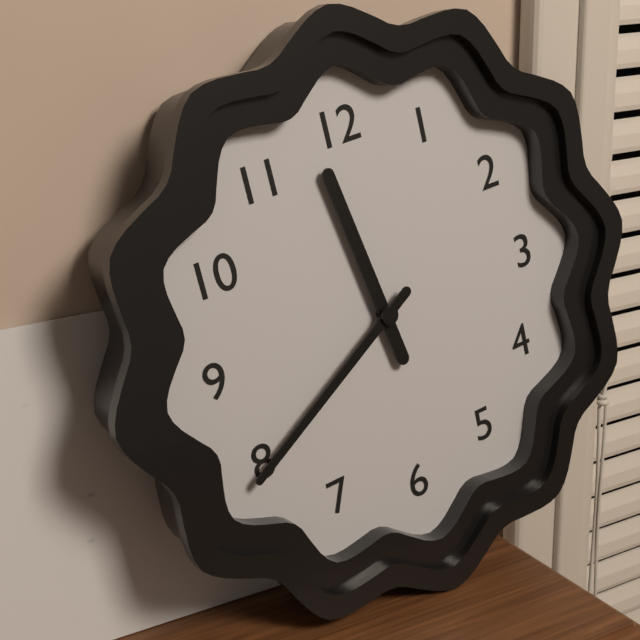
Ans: 11:40
